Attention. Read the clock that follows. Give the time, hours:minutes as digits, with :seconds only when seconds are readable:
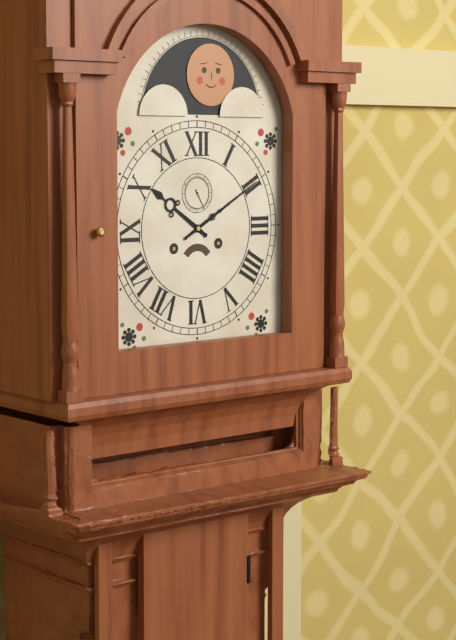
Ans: 10:10
